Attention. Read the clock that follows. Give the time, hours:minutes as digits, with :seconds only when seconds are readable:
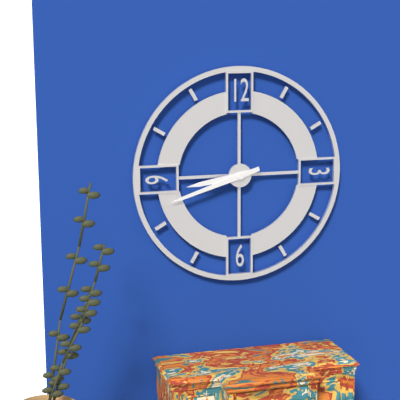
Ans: 8:42
